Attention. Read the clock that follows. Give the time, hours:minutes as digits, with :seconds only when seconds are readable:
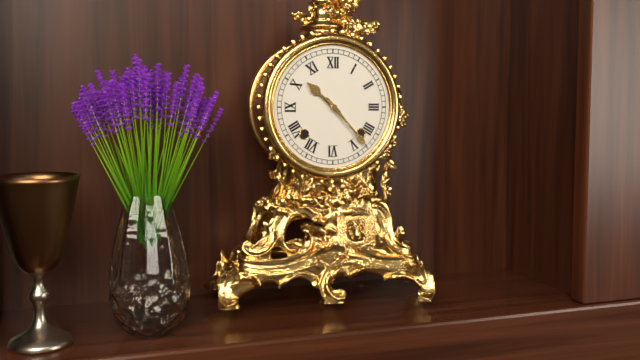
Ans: 10:23
